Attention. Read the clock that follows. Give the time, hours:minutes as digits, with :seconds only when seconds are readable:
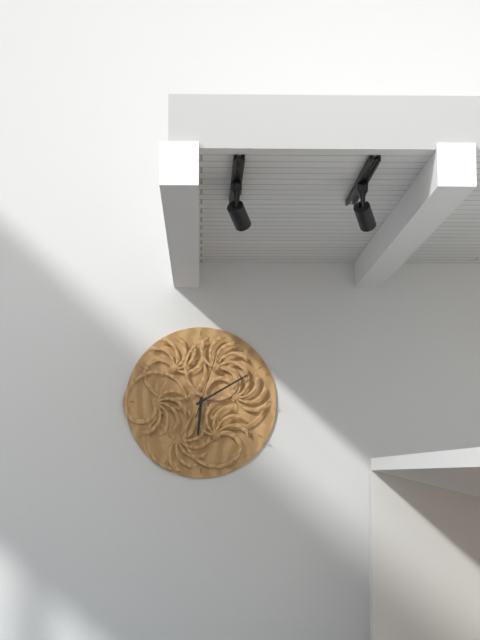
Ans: 6:10:03
